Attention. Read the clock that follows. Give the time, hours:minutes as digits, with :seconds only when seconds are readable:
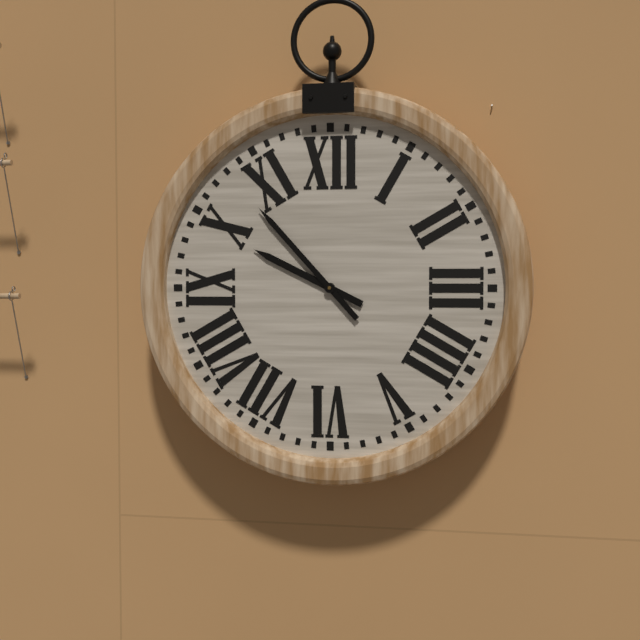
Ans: 9:53
